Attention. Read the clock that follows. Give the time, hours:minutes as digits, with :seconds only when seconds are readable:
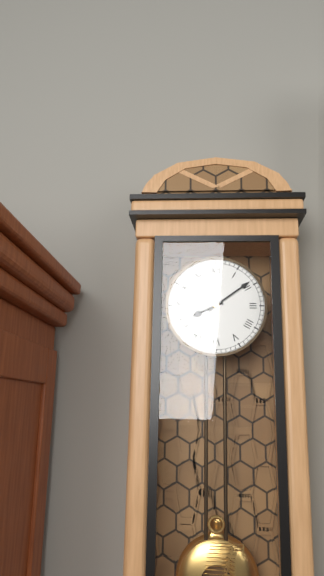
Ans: 8:09
